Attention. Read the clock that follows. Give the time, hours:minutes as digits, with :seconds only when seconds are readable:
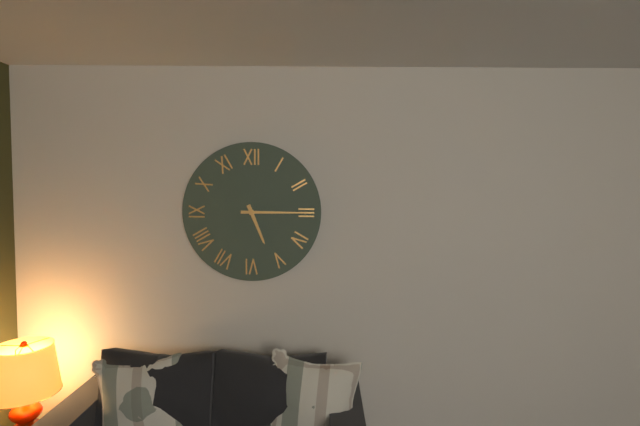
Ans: 5:15
